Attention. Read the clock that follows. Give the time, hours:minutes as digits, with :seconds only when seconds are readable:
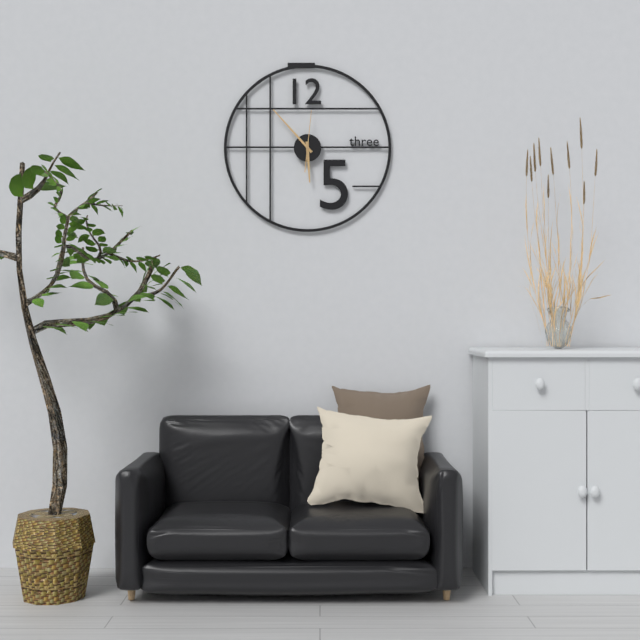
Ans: 5:53
